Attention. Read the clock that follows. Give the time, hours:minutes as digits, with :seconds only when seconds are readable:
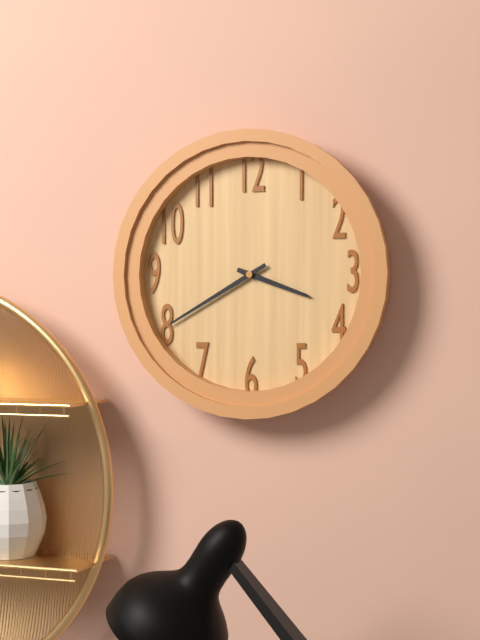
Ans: 3:40
